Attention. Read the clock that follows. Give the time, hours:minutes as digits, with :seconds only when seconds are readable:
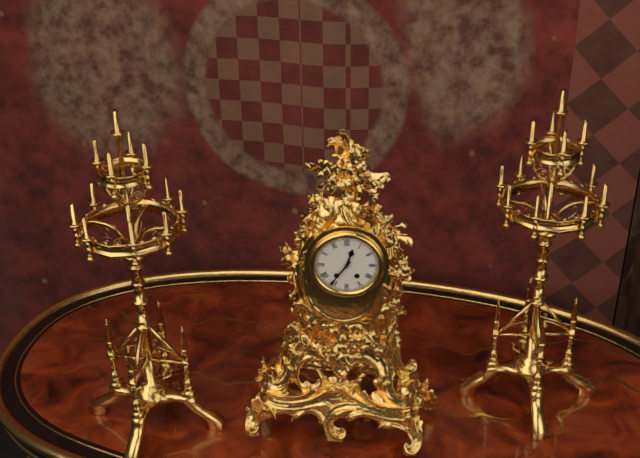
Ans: 12:36
